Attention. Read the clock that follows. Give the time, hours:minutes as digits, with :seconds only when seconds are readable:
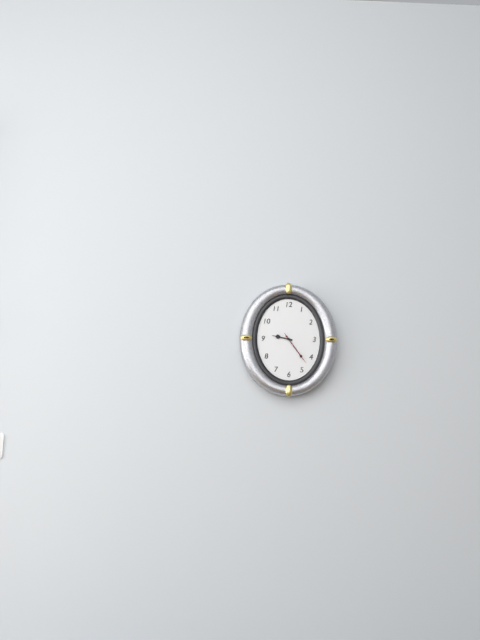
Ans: 9:24
